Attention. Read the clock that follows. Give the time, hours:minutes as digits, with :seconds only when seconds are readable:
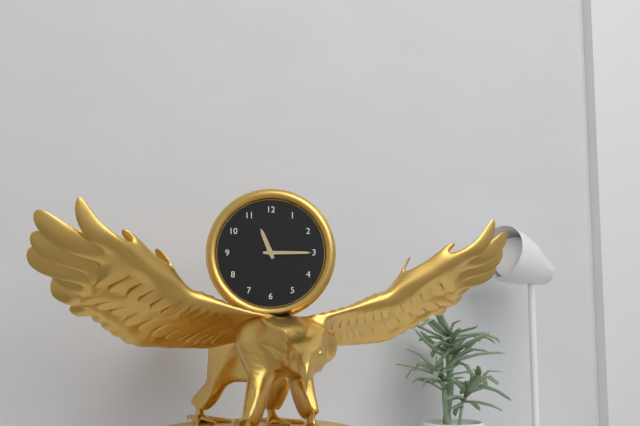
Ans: 11:15
